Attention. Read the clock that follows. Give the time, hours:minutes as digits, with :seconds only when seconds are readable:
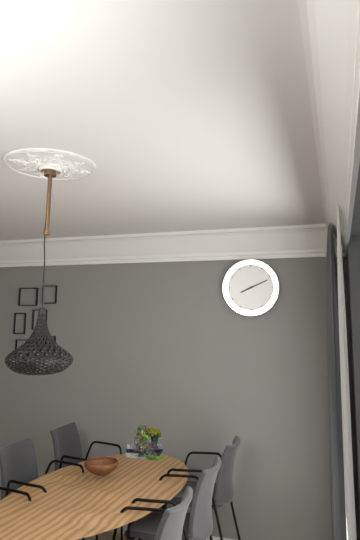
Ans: 8:11
